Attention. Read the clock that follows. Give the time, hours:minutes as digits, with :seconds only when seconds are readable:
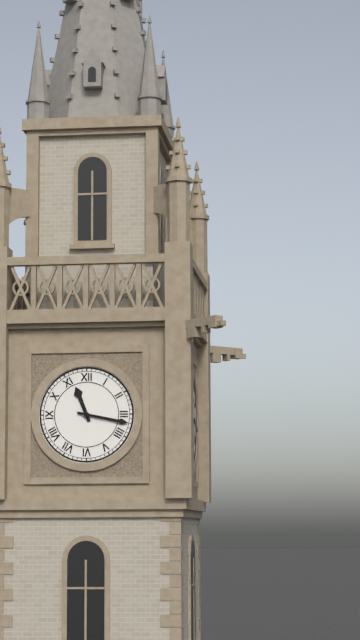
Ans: 11:17
